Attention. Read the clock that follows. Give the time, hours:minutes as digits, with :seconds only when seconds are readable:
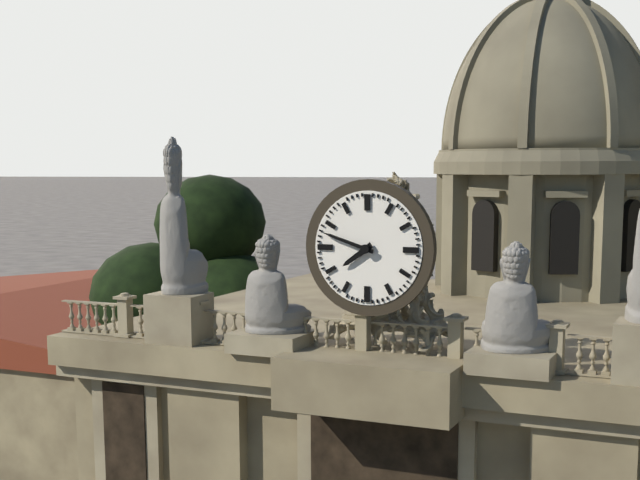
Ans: 7:48
